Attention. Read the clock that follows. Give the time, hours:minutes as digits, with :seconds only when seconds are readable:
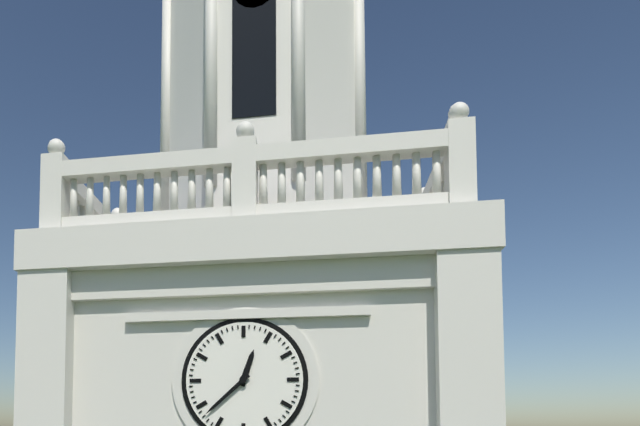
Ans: 12:38
